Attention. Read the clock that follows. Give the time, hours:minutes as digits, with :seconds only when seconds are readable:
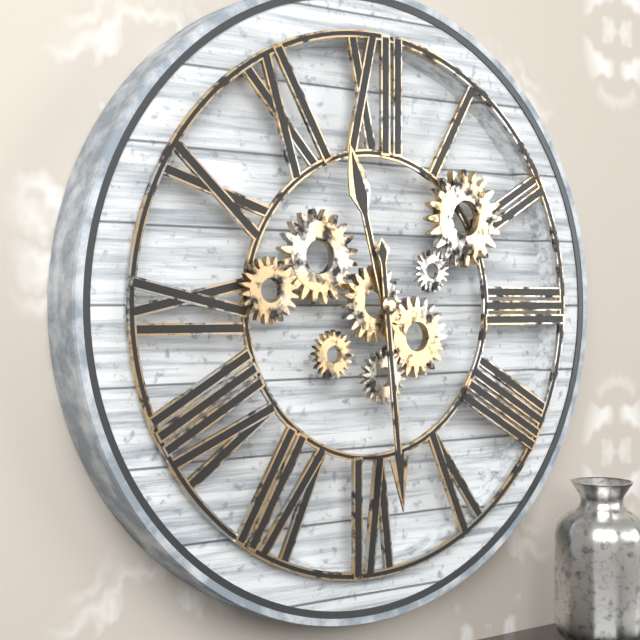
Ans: 11:29
